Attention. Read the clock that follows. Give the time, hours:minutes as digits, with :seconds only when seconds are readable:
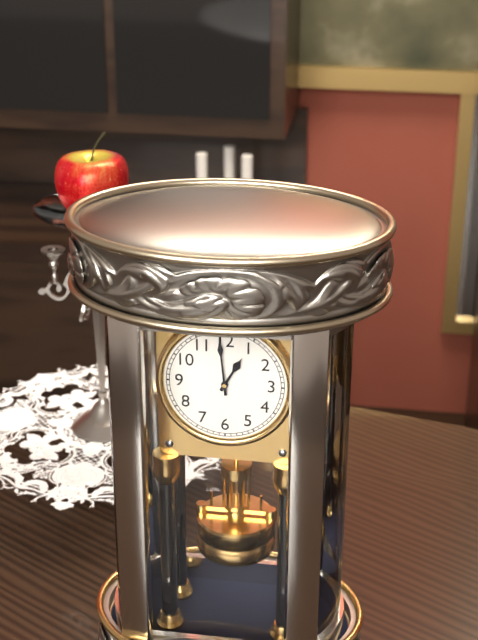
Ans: 12:59
